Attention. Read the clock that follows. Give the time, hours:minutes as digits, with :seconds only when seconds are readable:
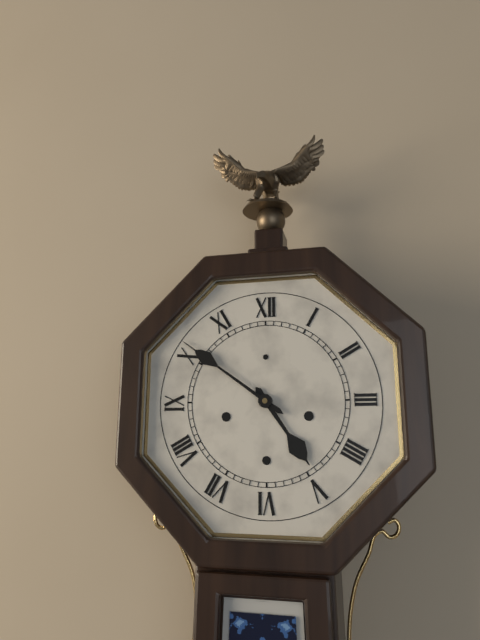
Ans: 4:51
